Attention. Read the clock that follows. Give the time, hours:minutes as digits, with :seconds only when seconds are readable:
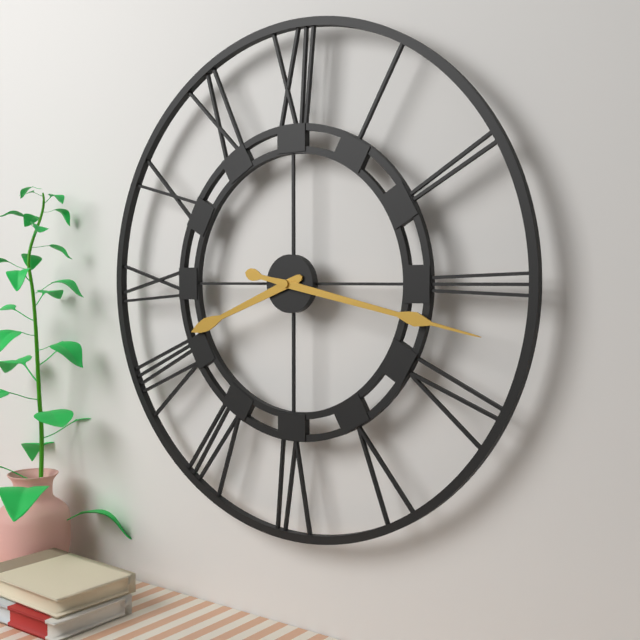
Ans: 8:17
